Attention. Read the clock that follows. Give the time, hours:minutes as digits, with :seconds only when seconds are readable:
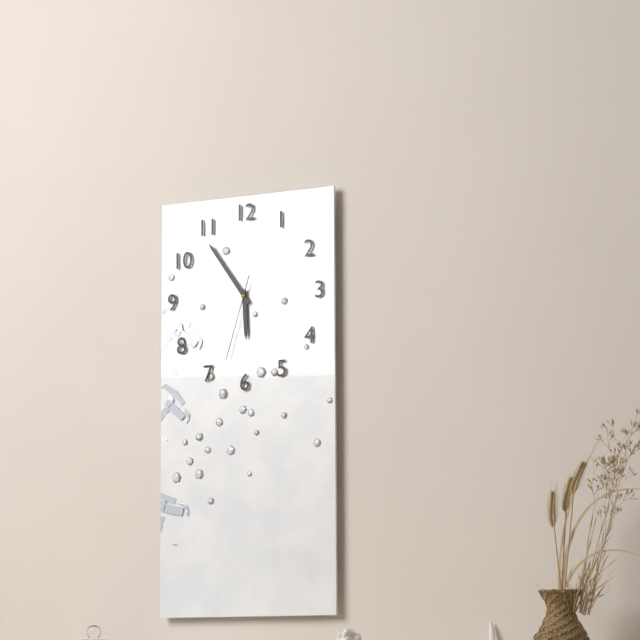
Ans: 5:54:33
